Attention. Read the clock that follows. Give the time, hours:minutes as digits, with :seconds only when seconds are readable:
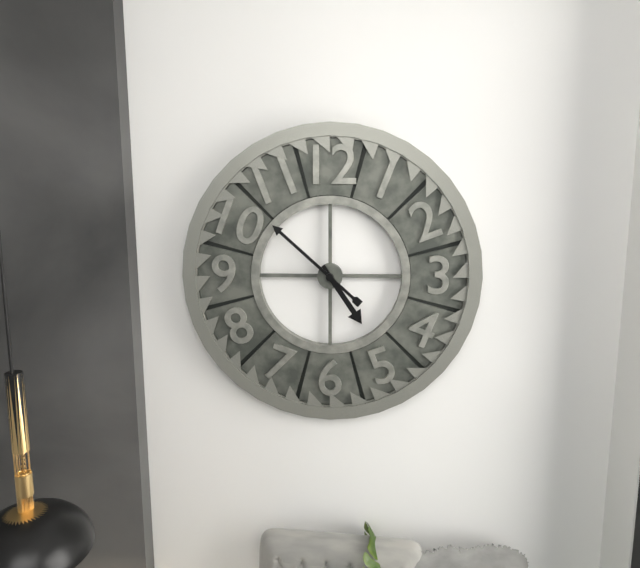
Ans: 4:52
